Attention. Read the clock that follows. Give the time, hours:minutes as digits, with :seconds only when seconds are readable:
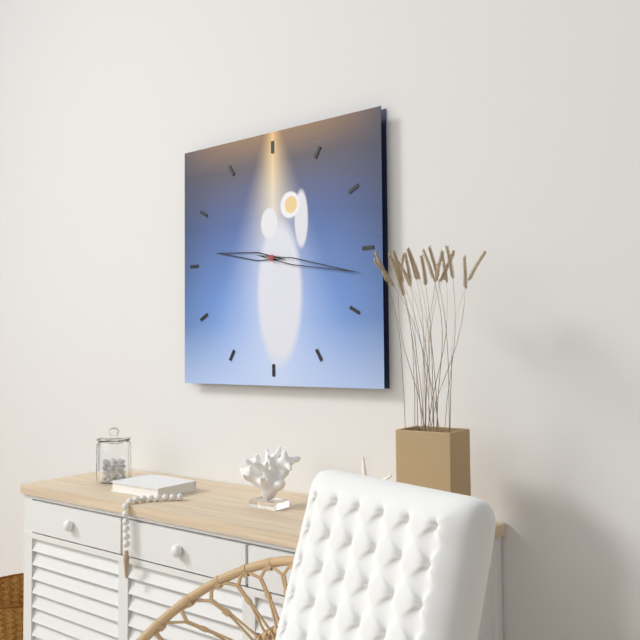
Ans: 9:17
